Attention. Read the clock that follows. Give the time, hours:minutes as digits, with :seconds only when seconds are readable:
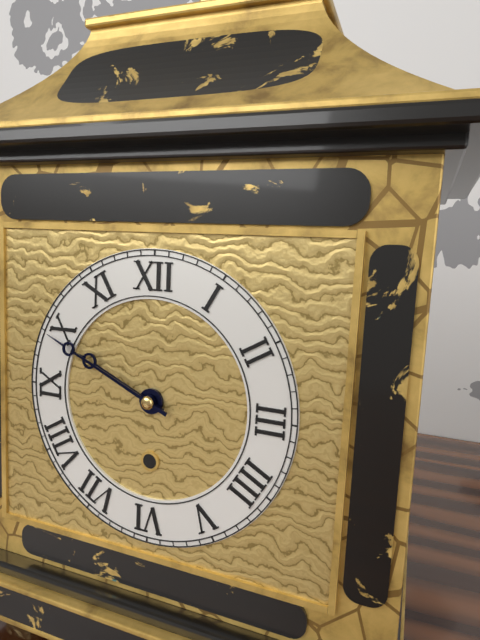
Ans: 9:49
